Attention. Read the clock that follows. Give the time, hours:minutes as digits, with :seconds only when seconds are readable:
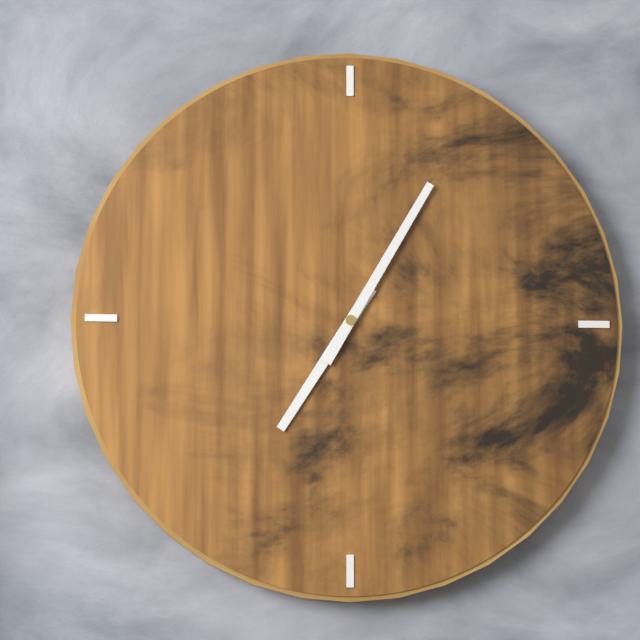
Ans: 7:05
